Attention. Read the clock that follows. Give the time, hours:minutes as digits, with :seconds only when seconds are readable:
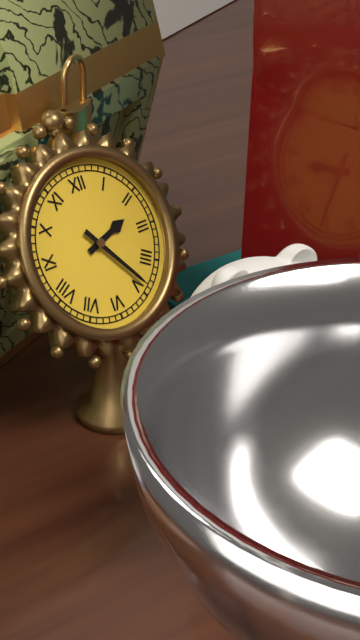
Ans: 2:24
